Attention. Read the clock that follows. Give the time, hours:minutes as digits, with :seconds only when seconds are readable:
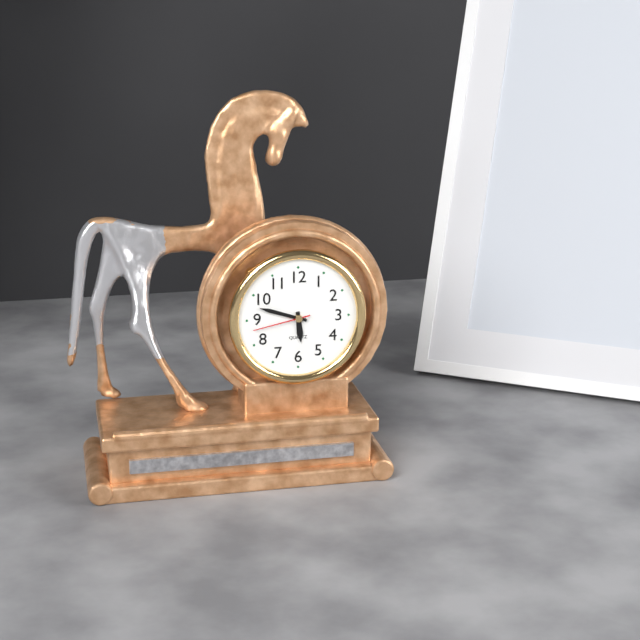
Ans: 5:48:43
